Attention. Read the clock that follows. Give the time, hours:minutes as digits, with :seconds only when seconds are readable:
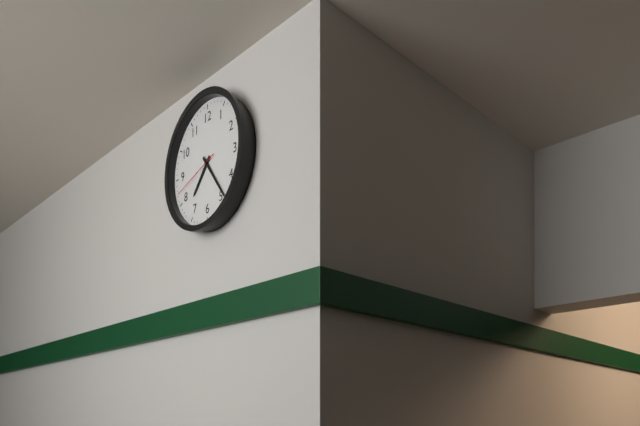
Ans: 7:24:42
